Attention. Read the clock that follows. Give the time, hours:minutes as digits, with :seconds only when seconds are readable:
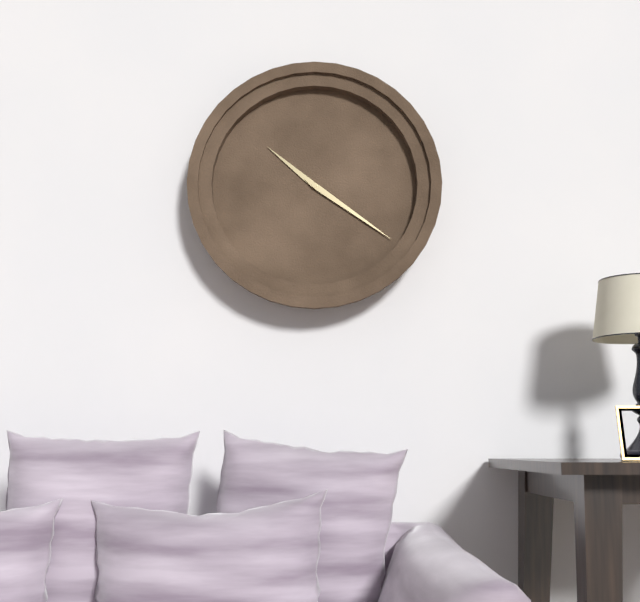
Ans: 10:21
